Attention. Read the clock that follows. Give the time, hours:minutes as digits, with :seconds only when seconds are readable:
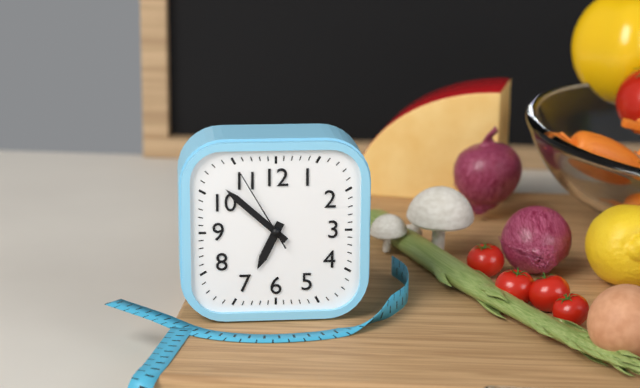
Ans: 6:52:55
